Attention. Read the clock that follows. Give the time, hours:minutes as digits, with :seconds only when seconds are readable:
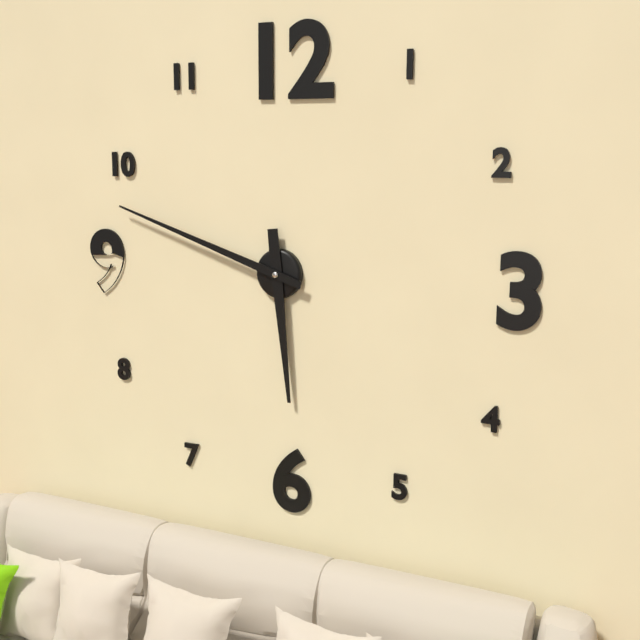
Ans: 5:48
